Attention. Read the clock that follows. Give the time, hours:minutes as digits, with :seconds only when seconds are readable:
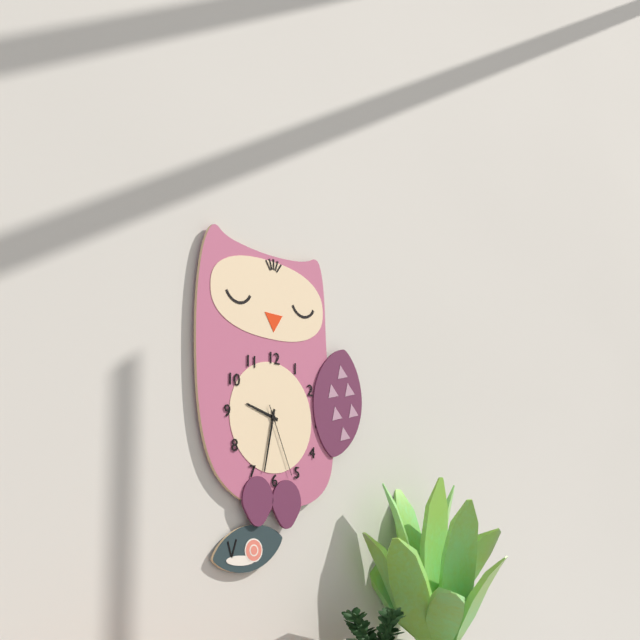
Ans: 9:32:26
